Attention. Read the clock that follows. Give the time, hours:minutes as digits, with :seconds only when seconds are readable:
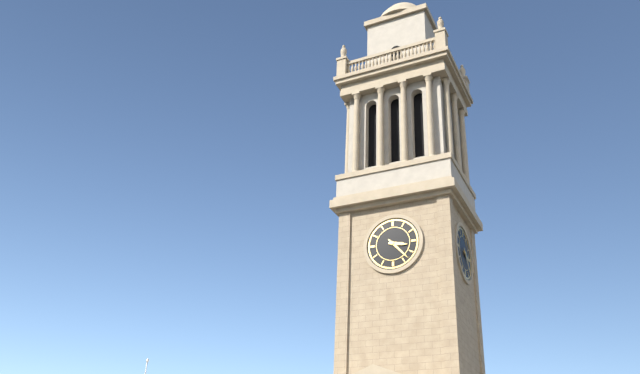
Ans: 3:23
